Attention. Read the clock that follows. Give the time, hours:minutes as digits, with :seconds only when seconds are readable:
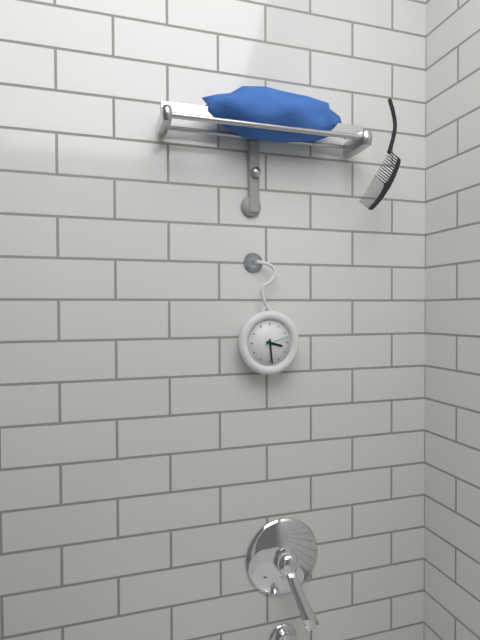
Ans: 3:29
